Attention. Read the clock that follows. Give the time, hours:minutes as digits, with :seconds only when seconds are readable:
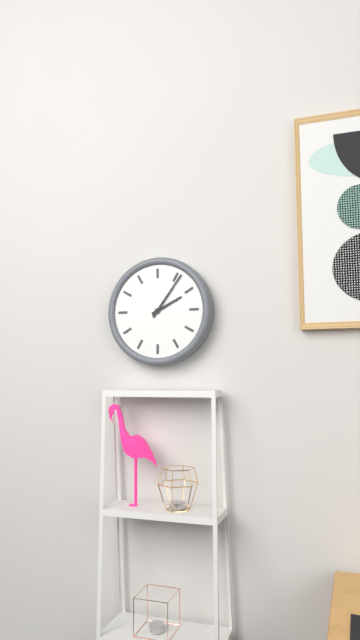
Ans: 2:06
